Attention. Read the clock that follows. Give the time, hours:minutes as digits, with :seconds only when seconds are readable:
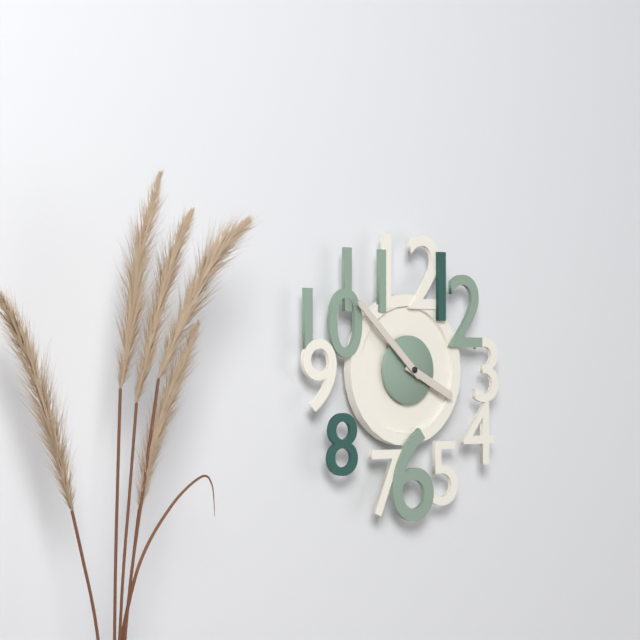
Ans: 3:52
